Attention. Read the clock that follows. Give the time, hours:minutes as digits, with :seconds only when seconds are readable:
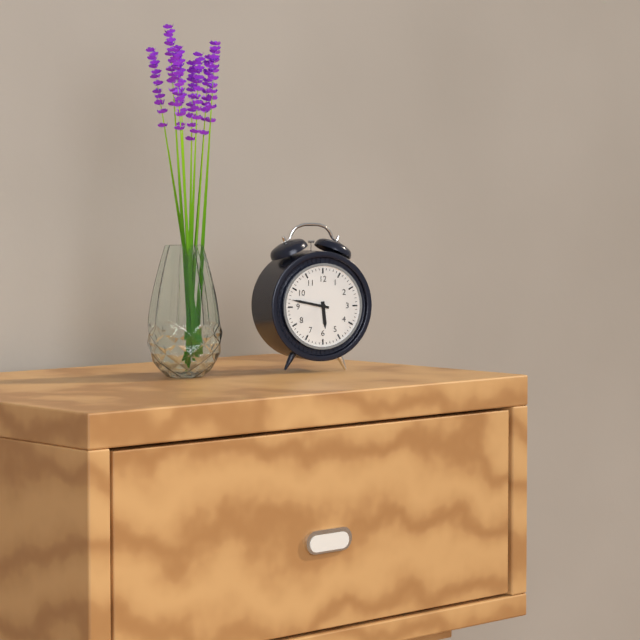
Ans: 5:47
